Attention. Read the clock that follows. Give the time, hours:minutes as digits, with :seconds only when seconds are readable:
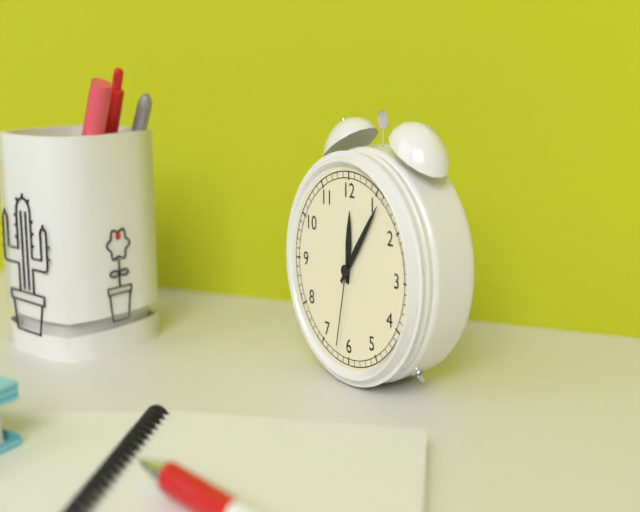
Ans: 12:06:32
